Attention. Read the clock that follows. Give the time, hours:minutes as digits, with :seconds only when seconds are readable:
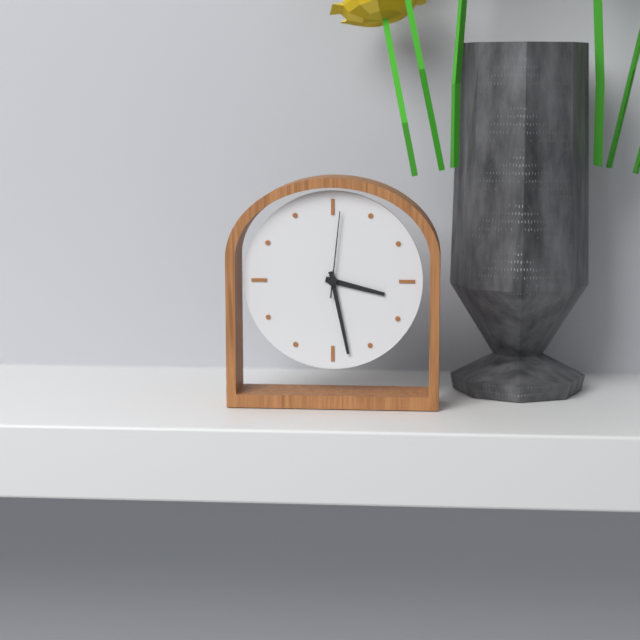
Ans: 3:28:01
